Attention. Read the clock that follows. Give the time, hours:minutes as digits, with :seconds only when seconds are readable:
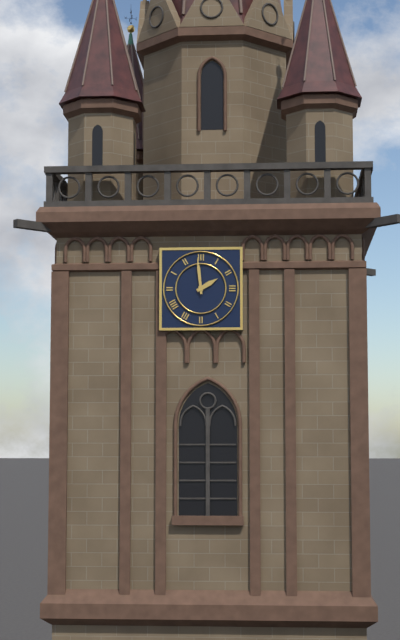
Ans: 1:59
